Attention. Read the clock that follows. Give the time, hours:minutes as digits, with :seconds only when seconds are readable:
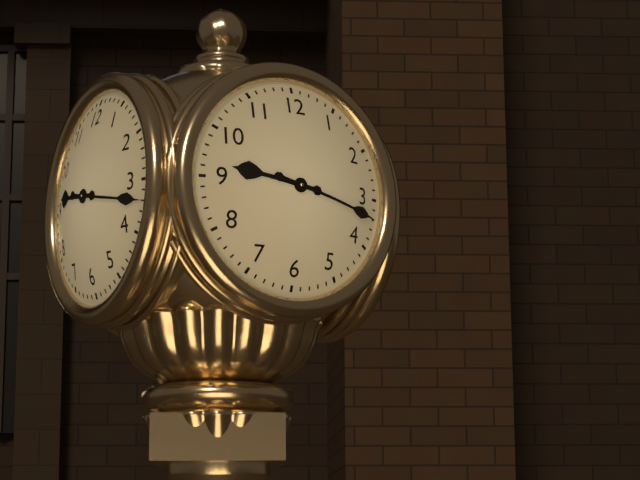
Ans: 9:17
